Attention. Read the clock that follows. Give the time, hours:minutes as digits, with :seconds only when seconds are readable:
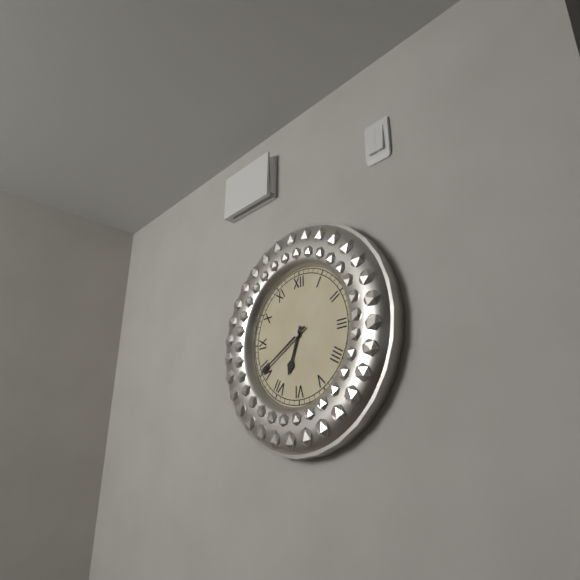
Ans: 6:40
